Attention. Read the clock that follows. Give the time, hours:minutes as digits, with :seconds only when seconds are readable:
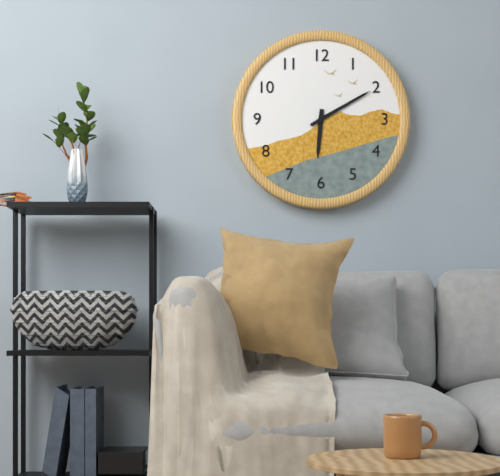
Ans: 6:10
